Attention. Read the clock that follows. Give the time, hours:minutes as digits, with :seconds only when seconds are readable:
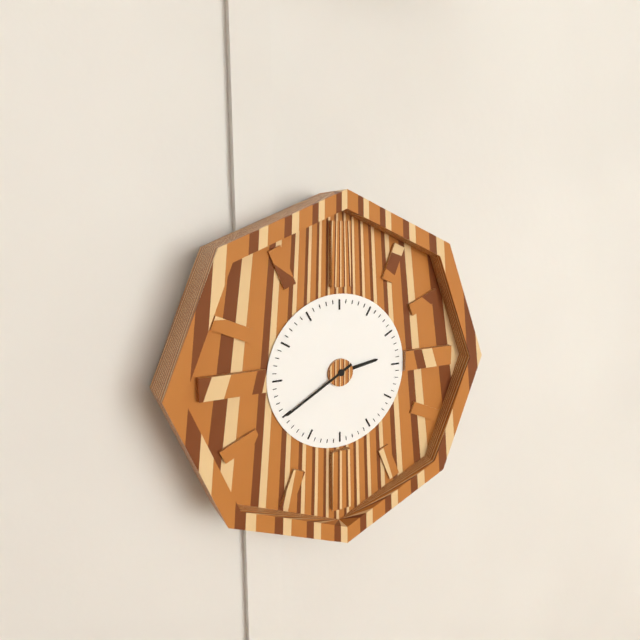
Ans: 2:40
